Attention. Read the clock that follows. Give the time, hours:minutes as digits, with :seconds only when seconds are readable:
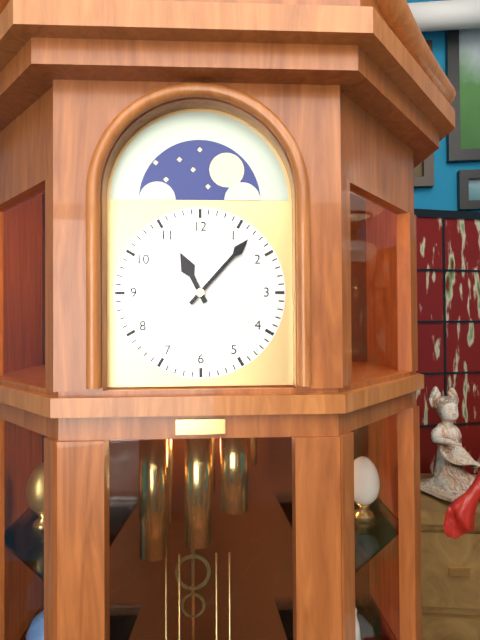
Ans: 11:07
